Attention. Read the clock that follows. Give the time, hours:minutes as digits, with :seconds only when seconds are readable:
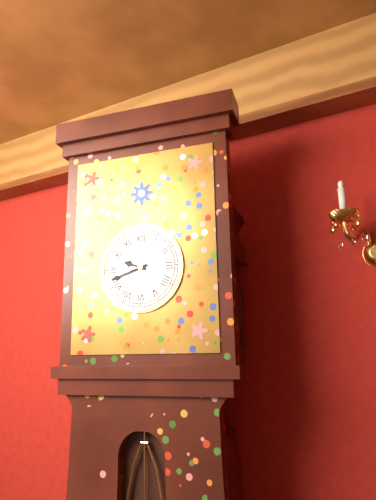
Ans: 9:42
